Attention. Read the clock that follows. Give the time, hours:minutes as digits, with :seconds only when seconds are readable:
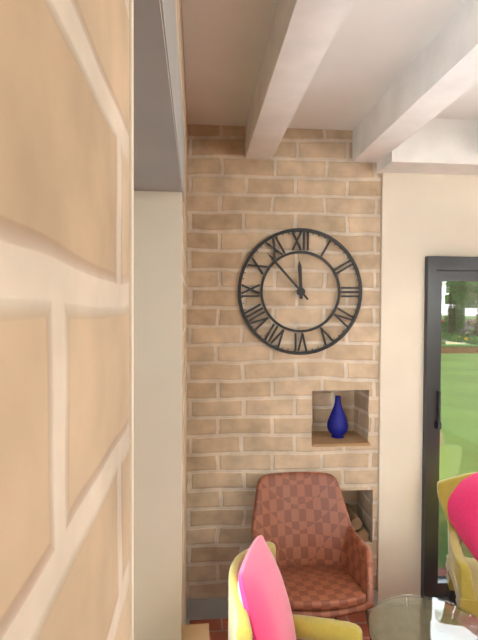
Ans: 11:53
